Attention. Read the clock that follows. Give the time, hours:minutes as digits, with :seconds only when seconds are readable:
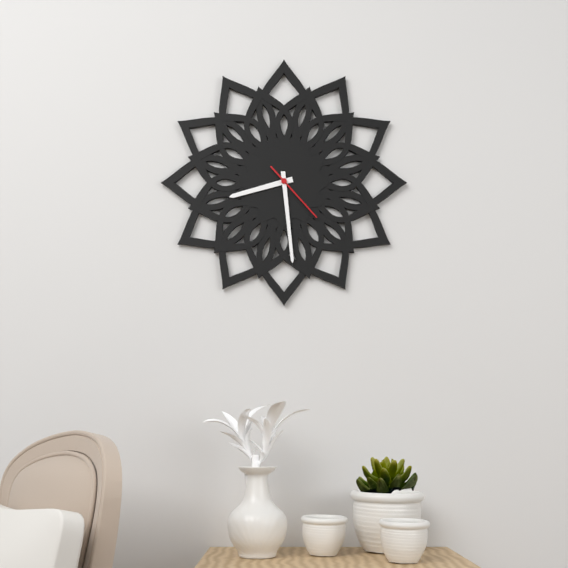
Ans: 8:29:23
